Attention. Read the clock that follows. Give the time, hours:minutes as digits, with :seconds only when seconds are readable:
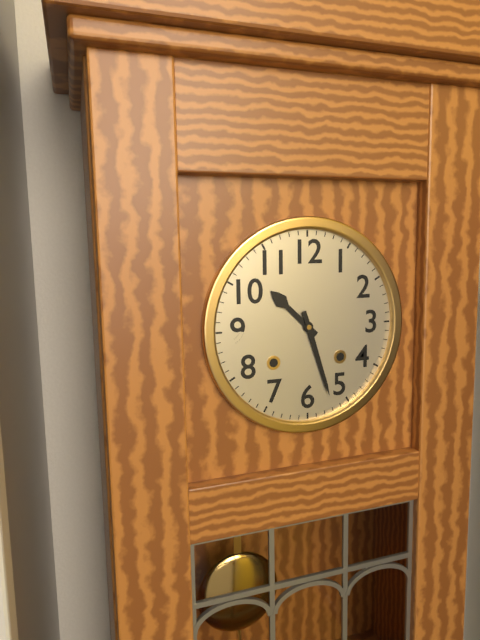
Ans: 10:27
